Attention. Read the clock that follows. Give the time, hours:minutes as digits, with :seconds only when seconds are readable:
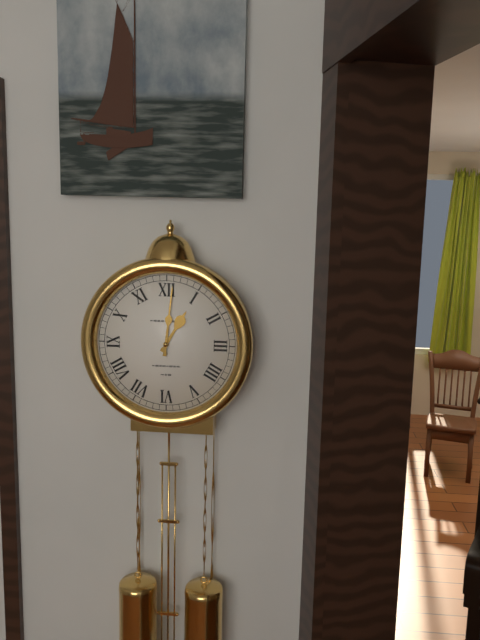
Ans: 1:01
